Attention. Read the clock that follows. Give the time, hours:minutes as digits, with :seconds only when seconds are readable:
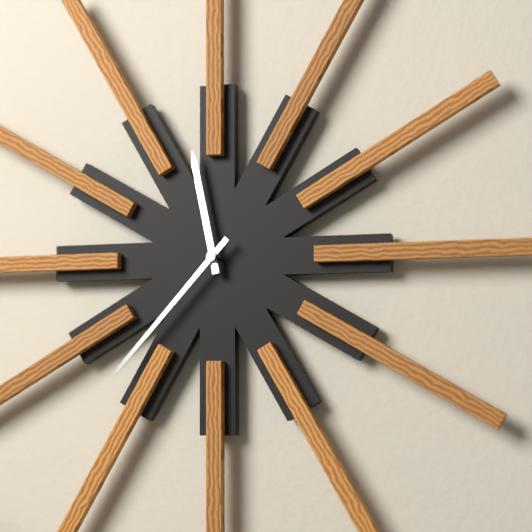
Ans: 11:37
